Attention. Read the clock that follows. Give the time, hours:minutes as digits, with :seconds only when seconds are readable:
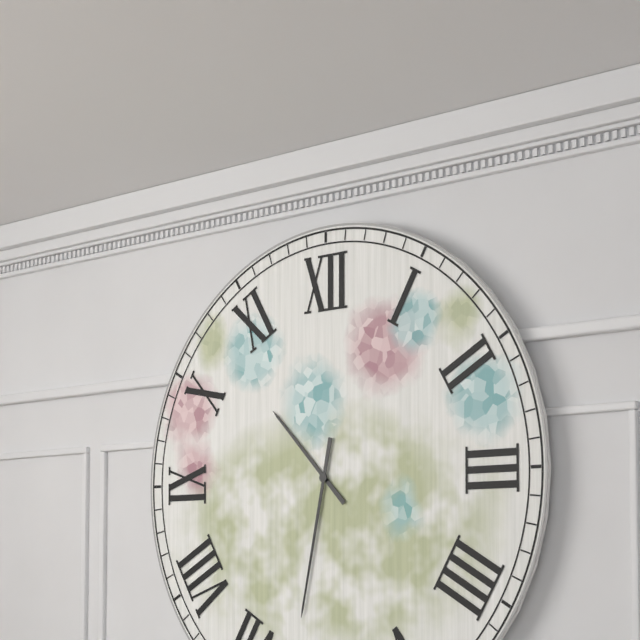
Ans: 10:32
